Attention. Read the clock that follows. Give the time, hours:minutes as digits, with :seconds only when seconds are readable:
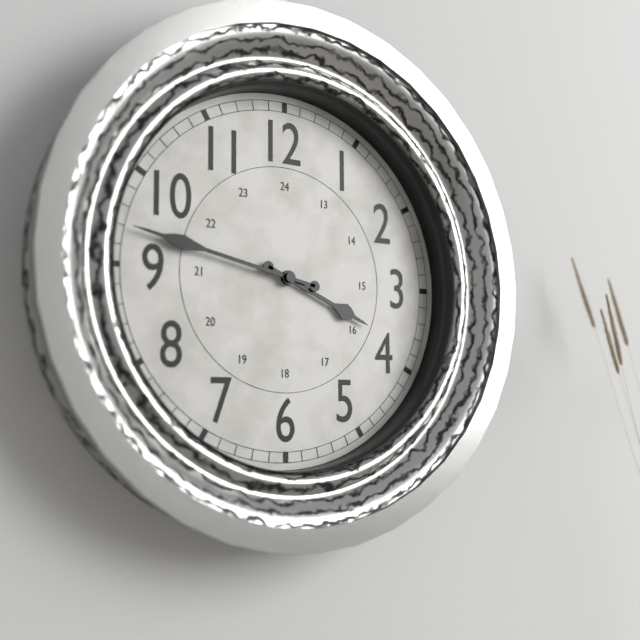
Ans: 3:47
